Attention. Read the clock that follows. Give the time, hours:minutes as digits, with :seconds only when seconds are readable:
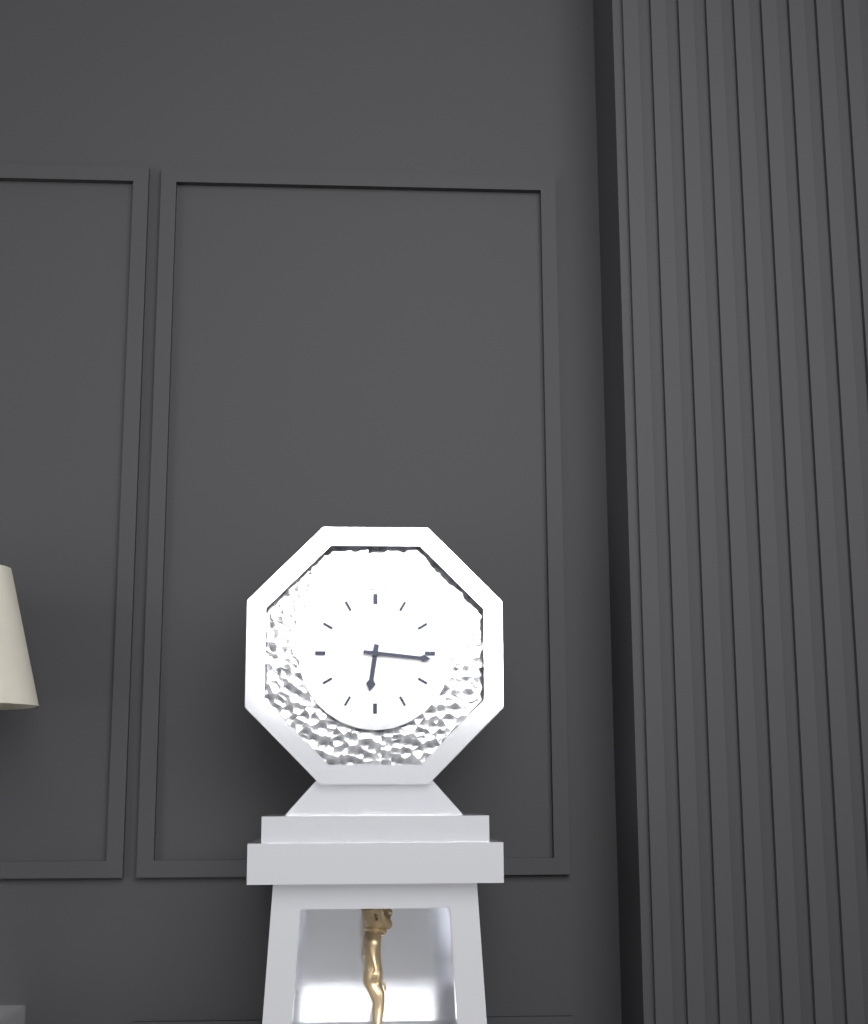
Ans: 6:16
